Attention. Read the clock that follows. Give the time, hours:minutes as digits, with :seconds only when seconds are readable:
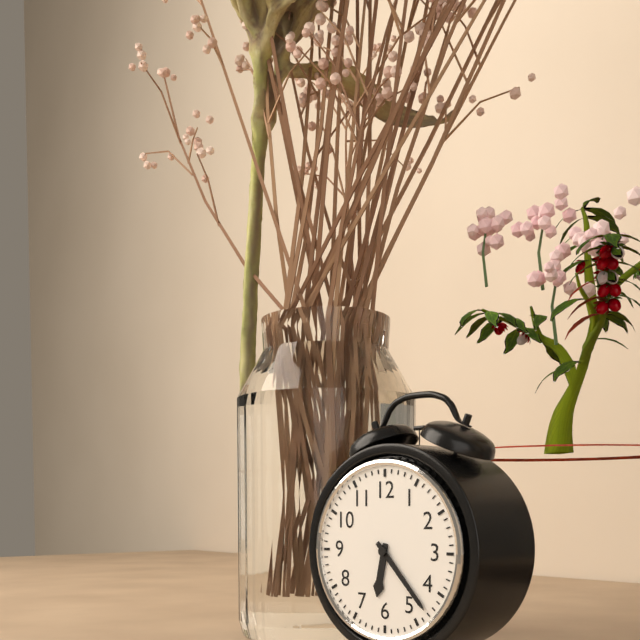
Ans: 6:23
